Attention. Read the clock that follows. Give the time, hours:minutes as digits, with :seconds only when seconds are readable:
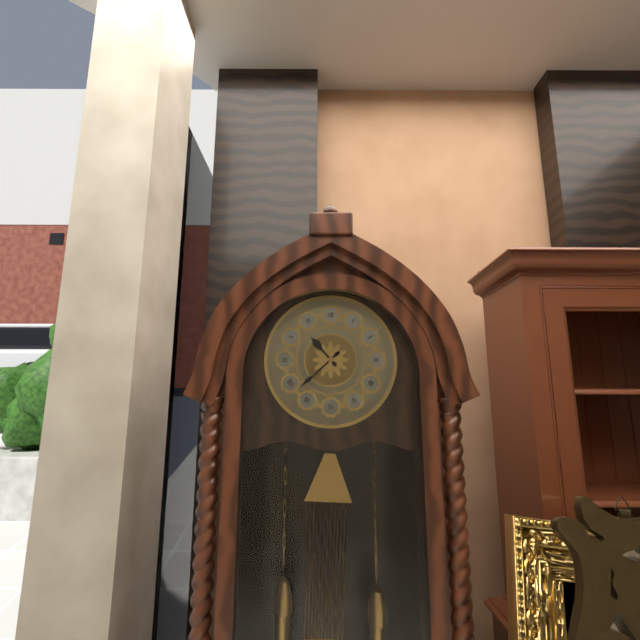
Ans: 10:38
